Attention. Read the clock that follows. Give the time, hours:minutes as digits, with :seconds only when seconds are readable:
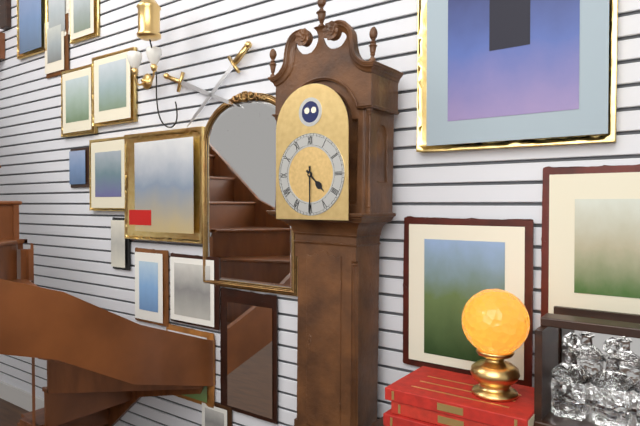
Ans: 4:30
